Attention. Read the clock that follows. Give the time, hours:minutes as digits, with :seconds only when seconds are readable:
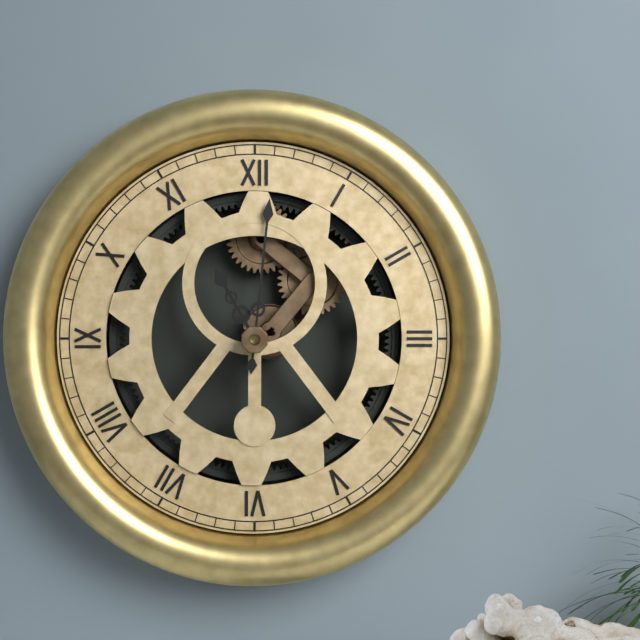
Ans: 11:01
